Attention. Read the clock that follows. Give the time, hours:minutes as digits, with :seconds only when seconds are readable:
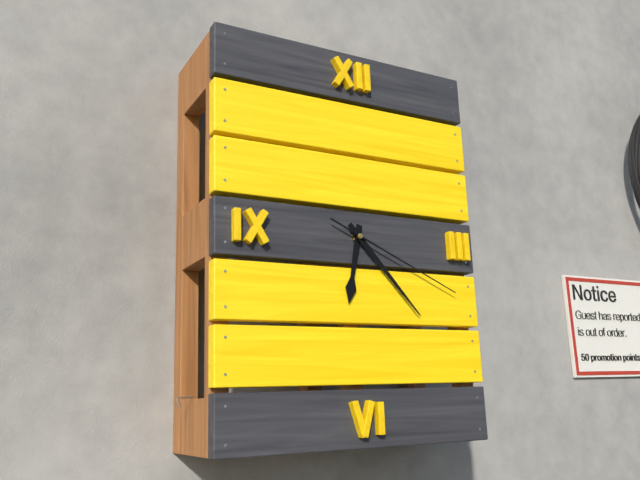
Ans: 6:23:19
